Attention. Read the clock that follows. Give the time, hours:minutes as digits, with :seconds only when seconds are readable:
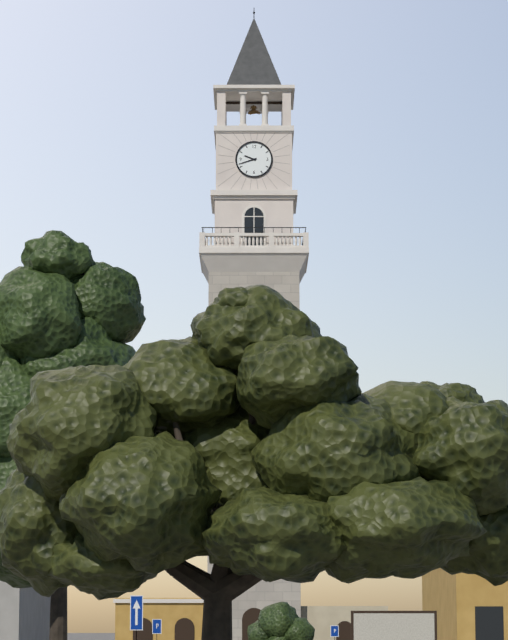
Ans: 9:42
